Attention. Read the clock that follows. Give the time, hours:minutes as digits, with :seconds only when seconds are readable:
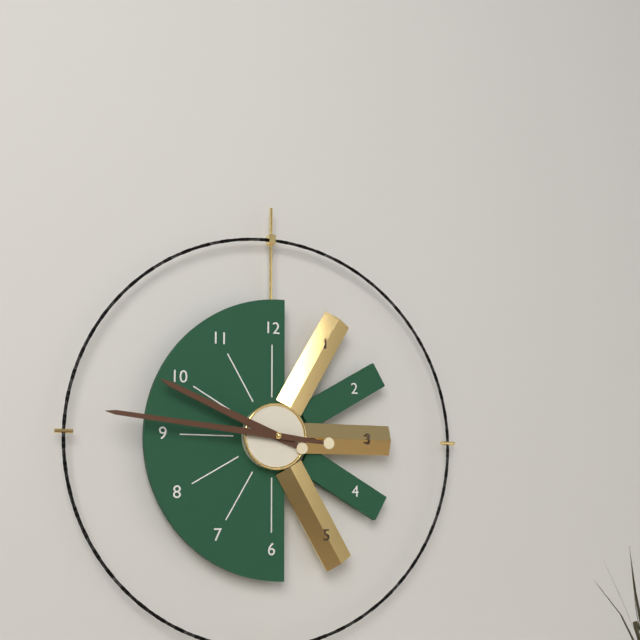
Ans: 9:46
